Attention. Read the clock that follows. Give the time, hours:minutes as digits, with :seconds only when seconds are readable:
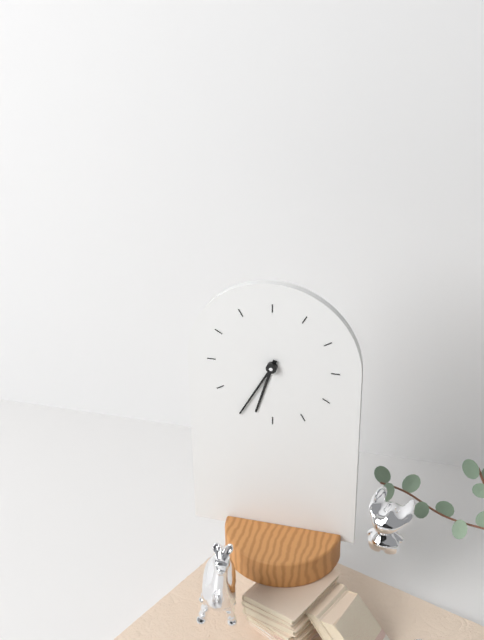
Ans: 6:35
